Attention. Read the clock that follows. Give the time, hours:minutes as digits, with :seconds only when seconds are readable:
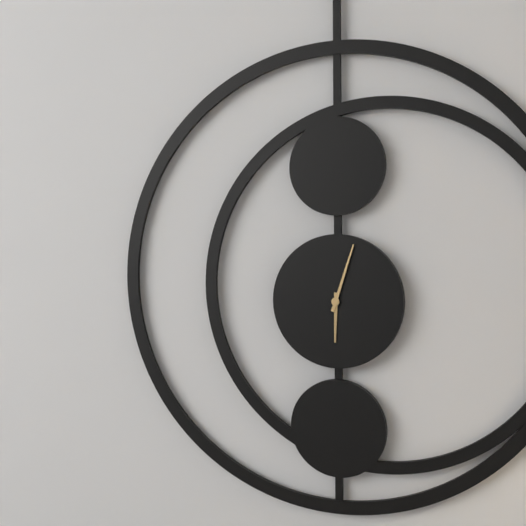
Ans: 6:03
